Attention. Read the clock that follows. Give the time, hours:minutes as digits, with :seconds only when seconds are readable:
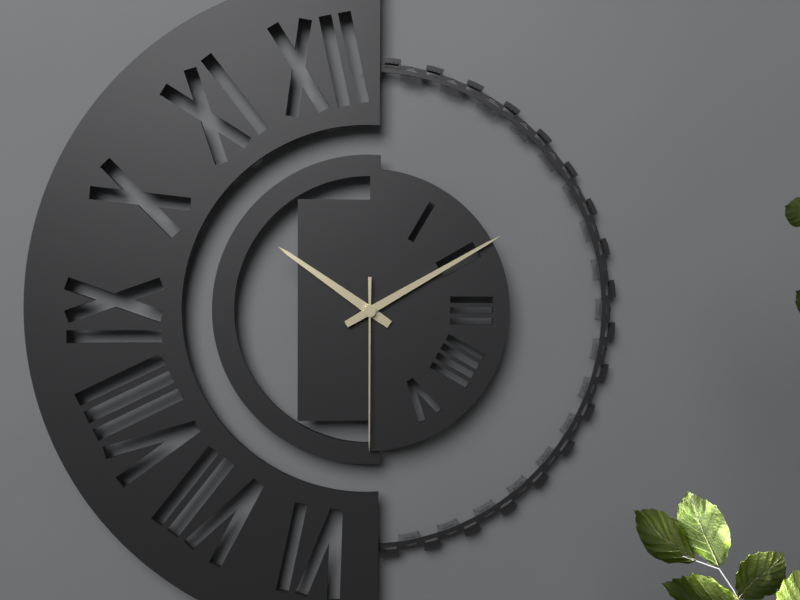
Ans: 10:10:30
